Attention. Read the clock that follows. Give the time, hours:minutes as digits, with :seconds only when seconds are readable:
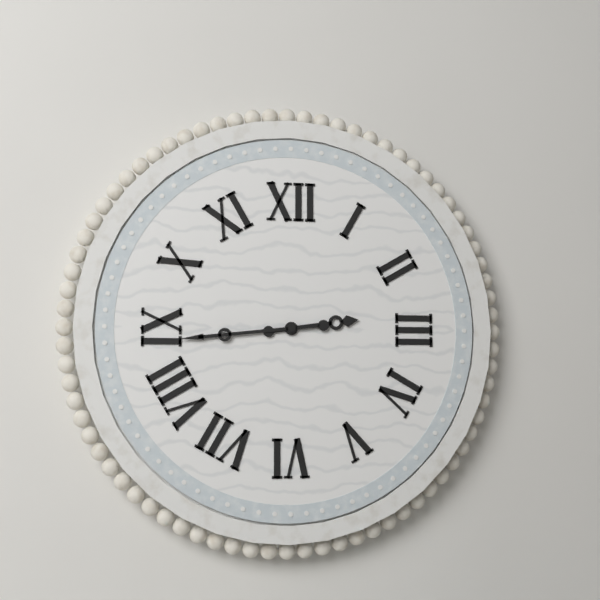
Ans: 2:44
